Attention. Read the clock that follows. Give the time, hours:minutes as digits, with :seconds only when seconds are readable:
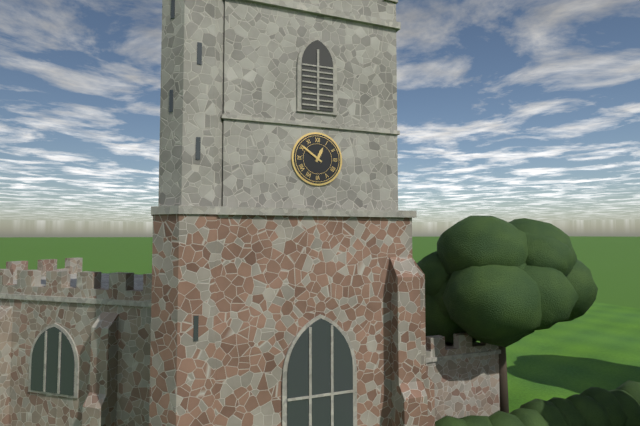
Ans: 12:51
